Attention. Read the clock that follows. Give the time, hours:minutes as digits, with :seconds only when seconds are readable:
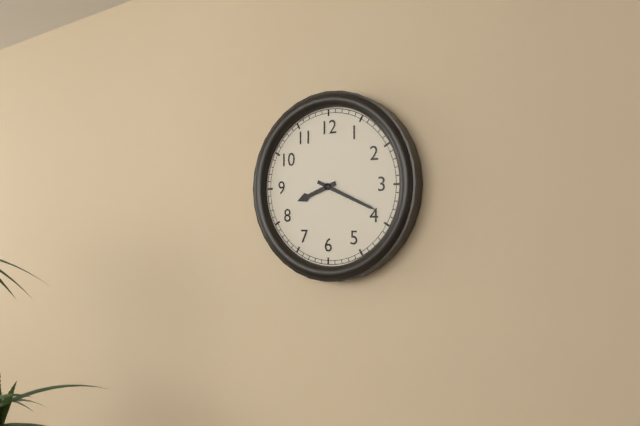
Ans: 8:19
